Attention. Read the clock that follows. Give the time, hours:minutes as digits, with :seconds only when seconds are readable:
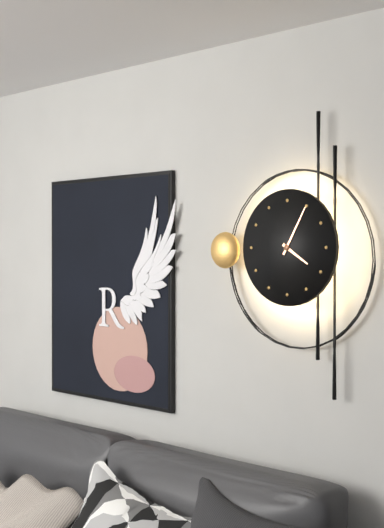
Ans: 4:05
